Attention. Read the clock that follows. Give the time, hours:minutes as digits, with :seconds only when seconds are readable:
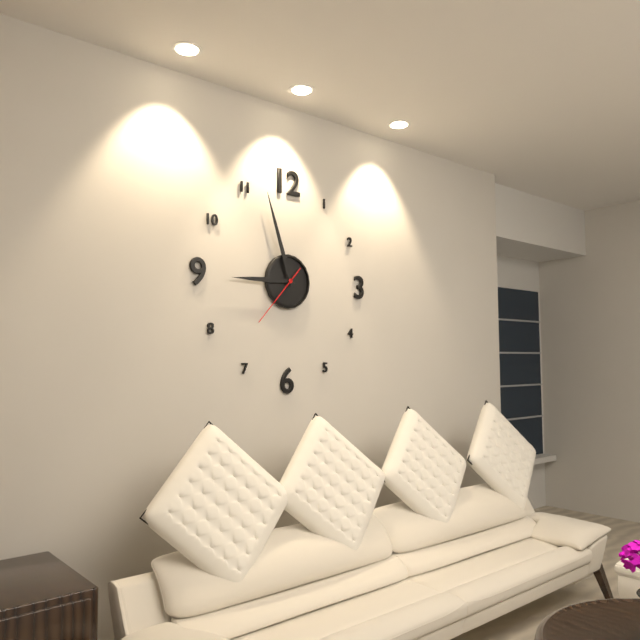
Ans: 8:57:37
